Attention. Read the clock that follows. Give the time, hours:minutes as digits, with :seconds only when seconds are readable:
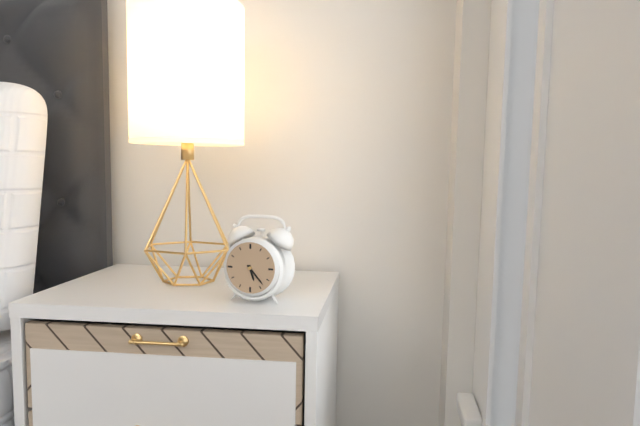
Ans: 5:23
